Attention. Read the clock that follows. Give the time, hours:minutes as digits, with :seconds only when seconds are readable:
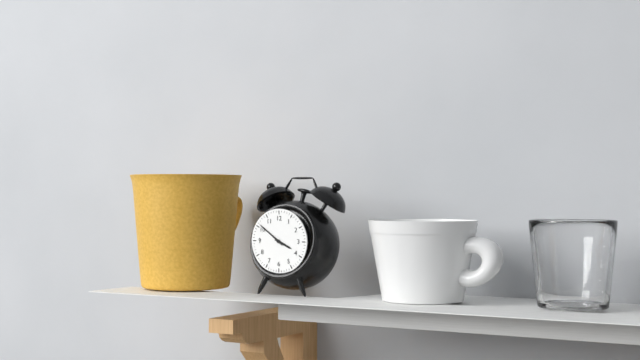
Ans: 3:51
